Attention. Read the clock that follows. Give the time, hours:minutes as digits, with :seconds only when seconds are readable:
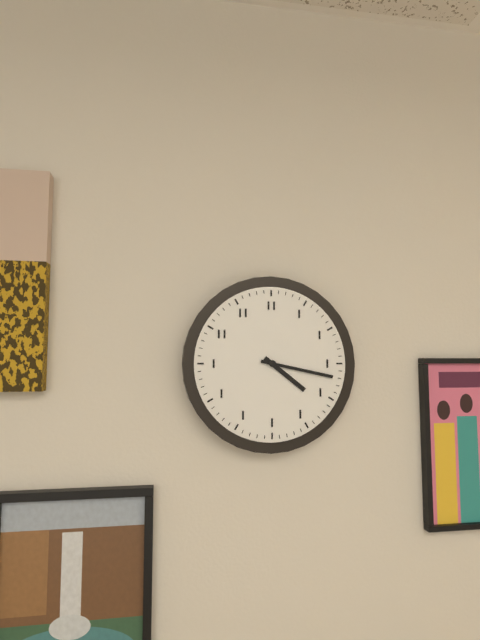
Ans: 4:17
